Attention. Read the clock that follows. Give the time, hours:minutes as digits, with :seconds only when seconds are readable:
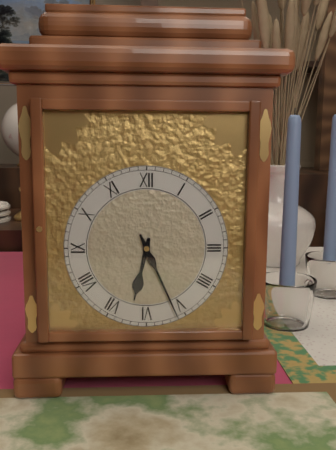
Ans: 6:26
